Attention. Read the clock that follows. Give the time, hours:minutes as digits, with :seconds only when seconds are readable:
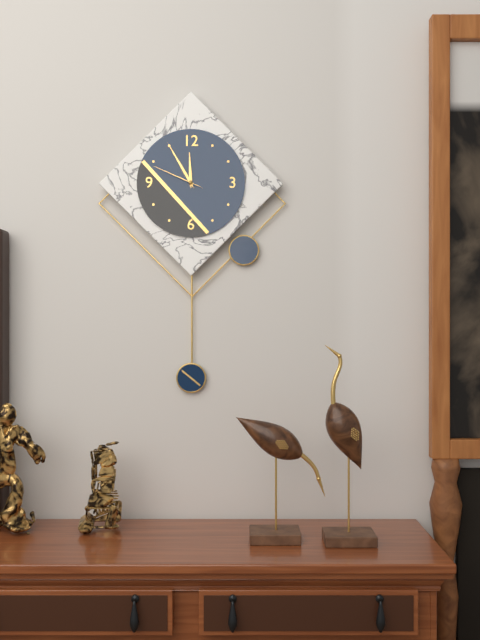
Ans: 11:55:49
